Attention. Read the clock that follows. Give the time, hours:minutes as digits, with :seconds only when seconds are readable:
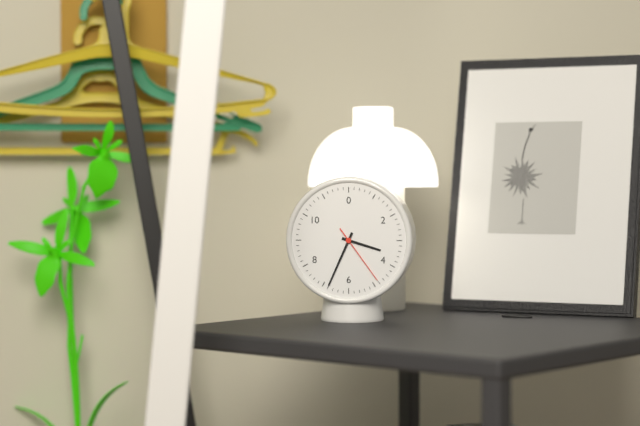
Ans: 3:34:24
